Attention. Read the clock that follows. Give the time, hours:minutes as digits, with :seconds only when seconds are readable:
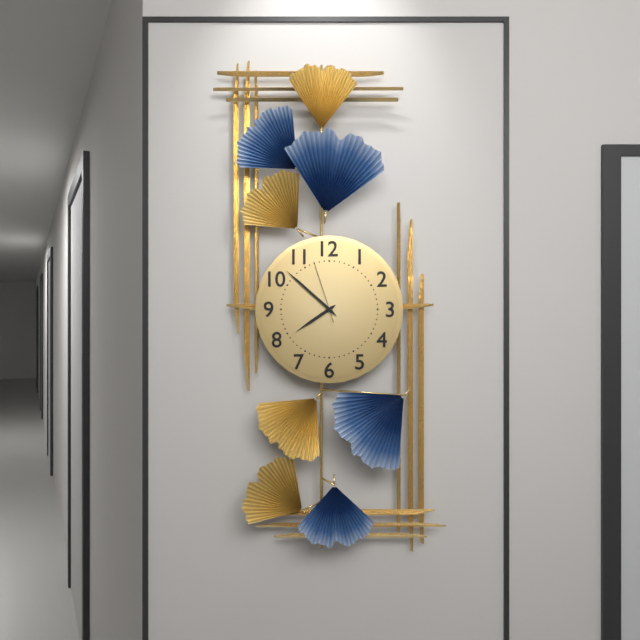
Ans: 7:52:57
